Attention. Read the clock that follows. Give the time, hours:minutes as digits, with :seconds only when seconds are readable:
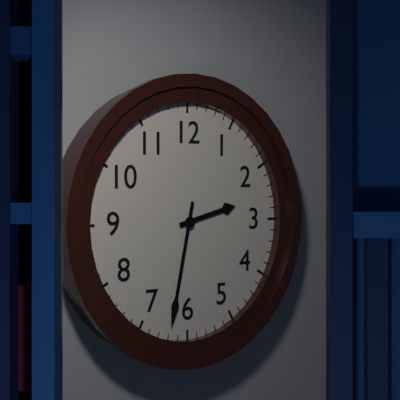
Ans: 2:32
